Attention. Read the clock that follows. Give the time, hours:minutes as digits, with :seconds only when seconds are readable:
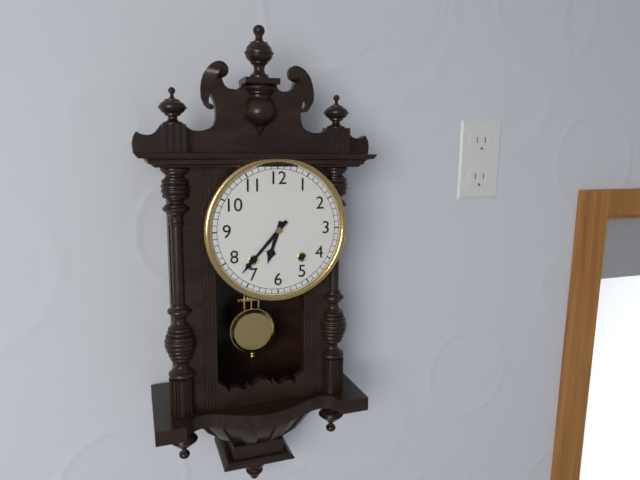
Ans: 6:37
